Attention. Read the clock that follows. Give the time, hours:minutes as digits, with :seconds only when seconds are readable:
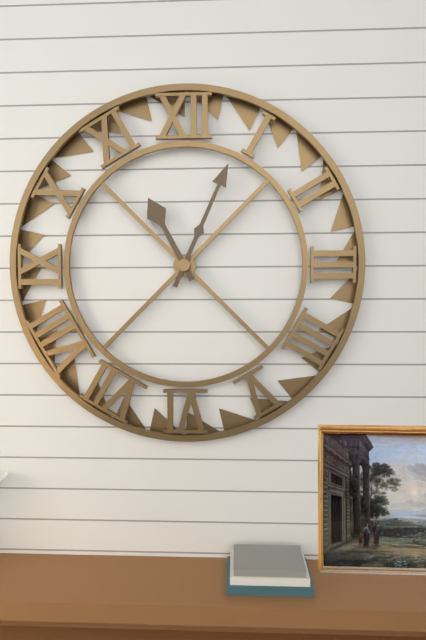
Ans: 11:04
